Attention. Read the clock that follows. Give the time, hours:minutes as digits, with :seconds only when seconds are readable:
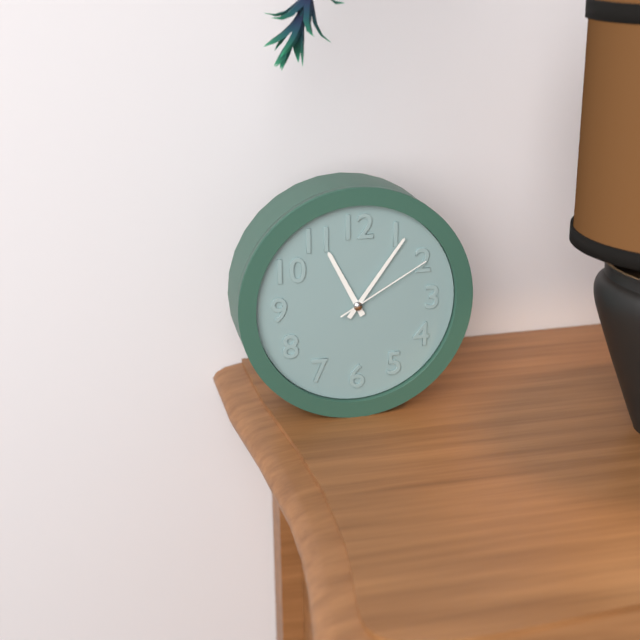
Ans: 11:06:10
